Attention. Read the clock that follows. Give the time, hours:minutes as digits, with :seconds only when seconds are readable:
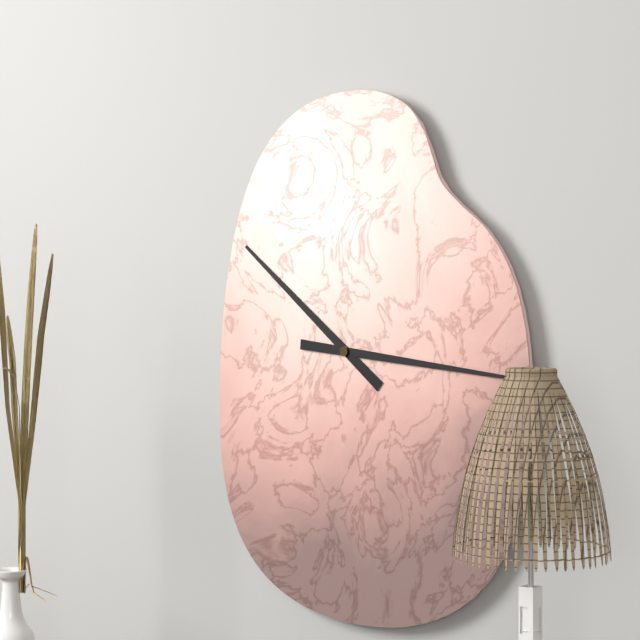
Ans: 10:16
